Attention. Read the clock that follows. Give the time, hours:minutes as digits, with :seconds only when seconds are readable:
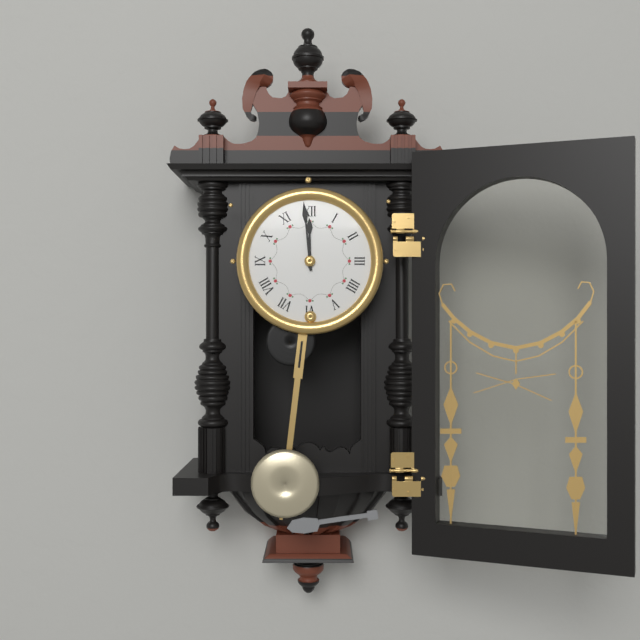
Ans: 11:59
